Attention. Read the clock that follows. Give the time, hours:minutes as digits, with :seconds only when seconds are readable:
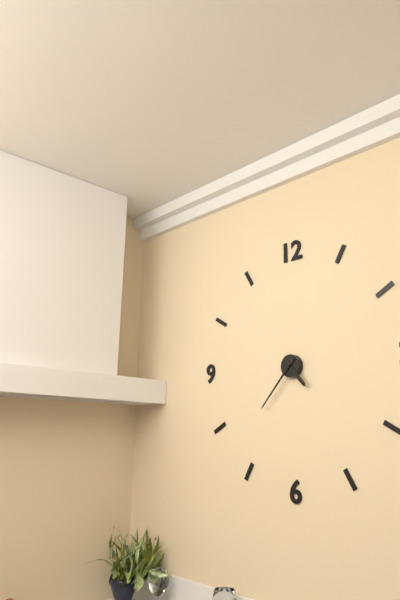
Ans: 4:37
